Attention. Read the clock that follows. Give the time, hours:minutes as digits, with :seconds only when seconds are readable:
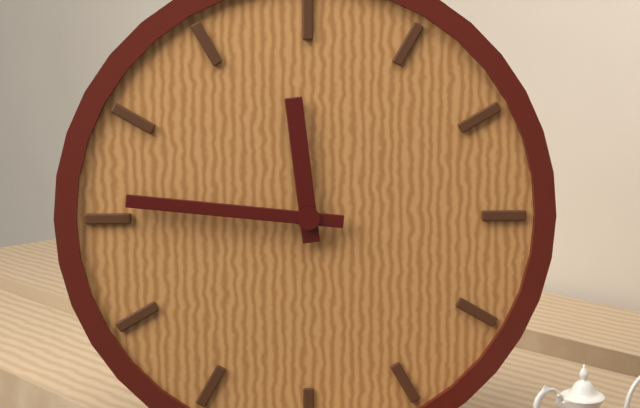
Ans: 11:46
